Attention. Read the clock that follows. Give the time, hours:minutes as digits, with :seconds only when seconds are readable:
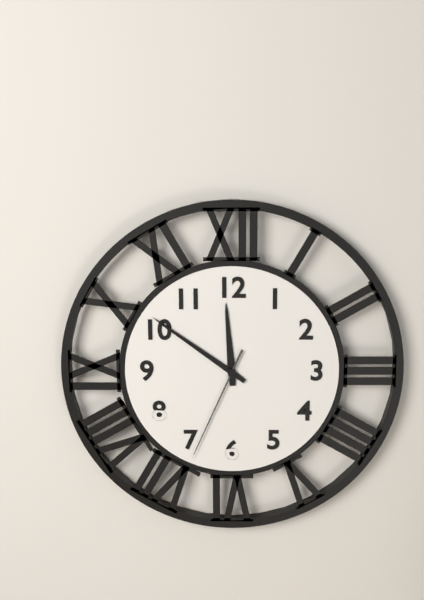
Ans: 11:51:34
